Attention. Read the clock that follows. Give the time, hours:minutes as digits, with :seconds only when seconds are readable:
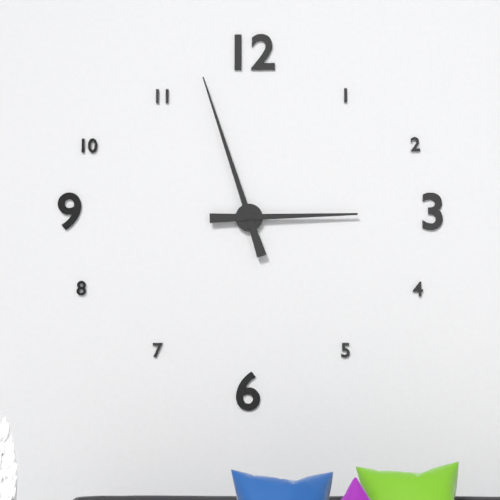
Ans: 2:57
